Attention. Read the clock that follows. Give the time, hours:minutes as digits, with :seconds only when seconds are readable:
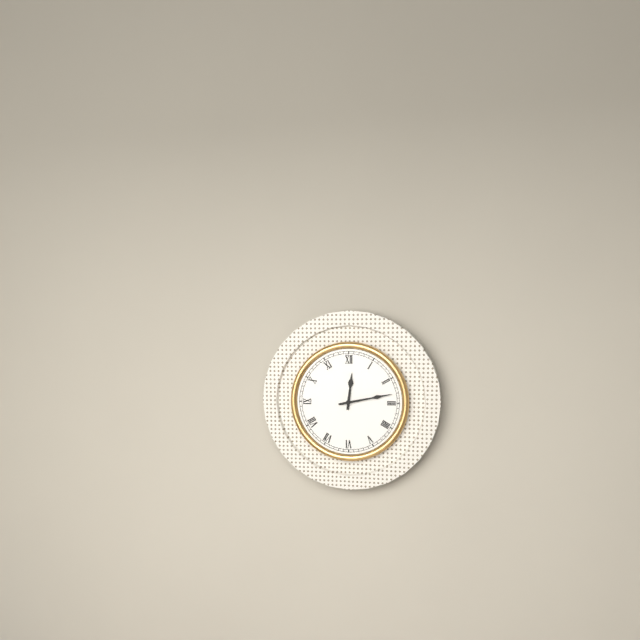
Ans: 12:13
